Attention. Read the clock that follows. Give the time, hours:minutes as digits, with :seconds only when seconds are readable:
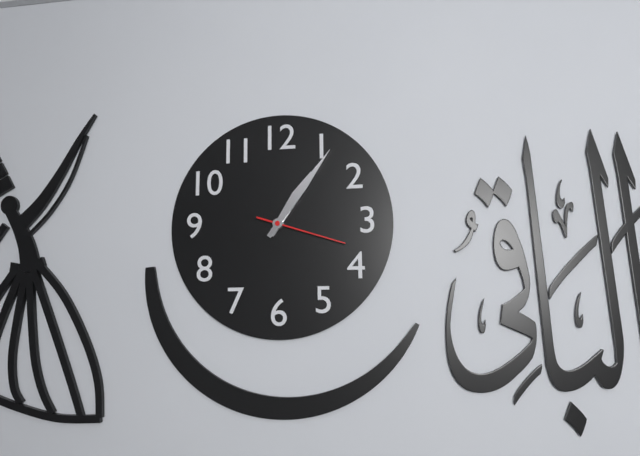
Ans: 1:06:18
